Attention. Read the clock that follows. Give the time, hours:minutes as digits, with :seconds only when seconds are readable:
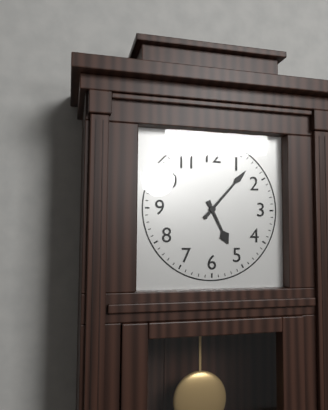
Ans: 5:07
